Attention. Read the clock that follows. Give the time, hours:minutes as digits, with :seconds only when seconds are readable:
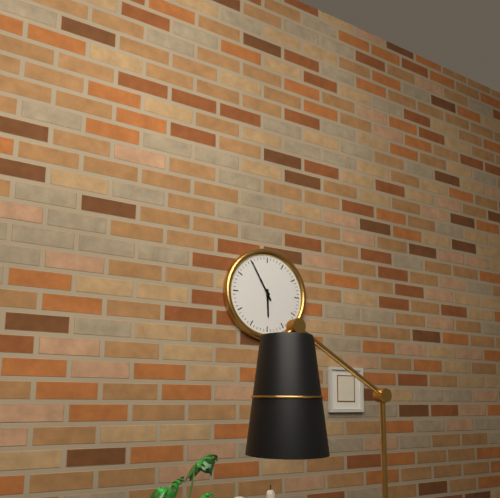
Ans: 5:55
